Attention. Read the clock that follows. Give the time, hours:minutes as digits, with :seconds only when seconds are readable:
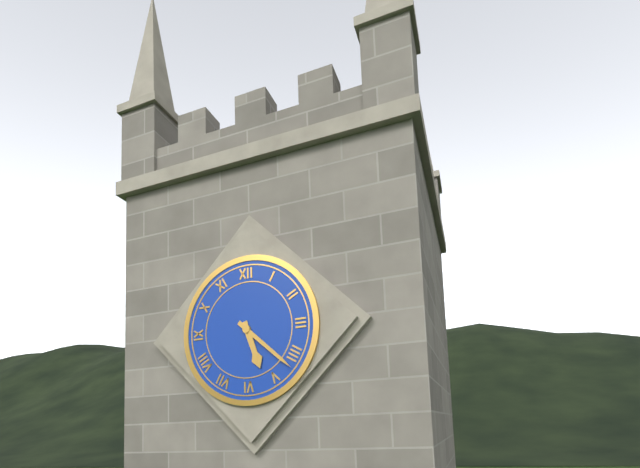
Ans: 5:22
